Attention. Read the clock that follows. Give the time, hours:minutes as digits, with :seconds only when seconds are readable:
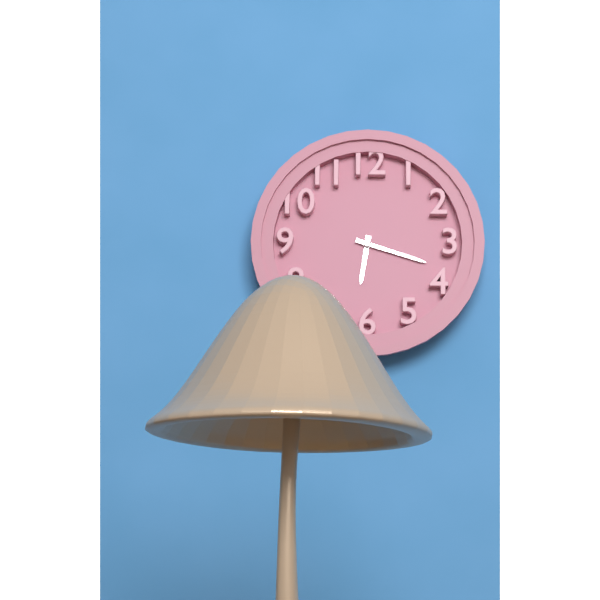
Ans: 6:18
